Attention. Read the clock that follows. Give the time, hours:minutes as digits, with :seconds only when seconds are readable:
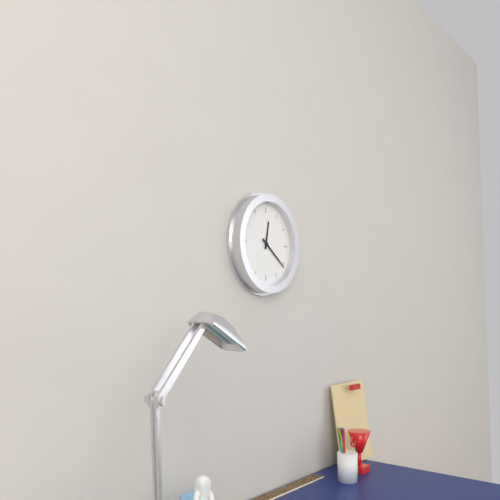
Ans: 12:21
